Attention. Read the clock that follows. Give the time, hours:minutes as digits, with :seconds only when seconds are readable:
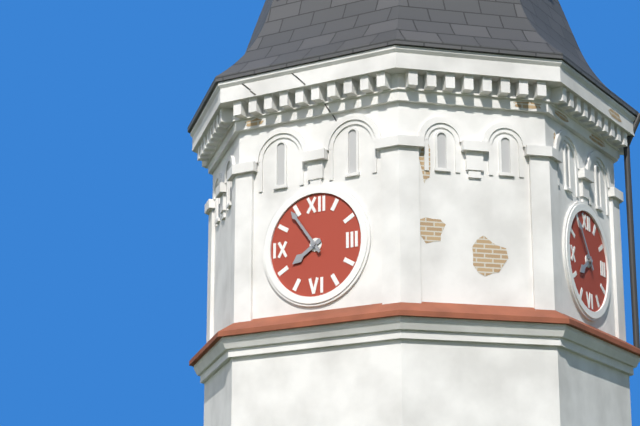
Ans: 7:54
